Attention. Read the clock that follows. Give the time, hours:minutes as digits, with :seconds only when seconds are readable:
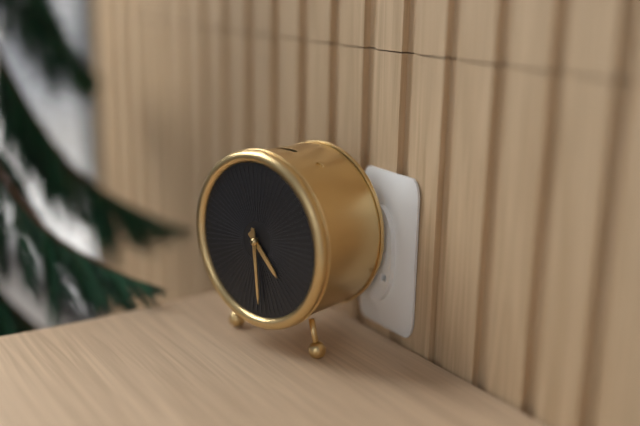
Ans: 4:29
